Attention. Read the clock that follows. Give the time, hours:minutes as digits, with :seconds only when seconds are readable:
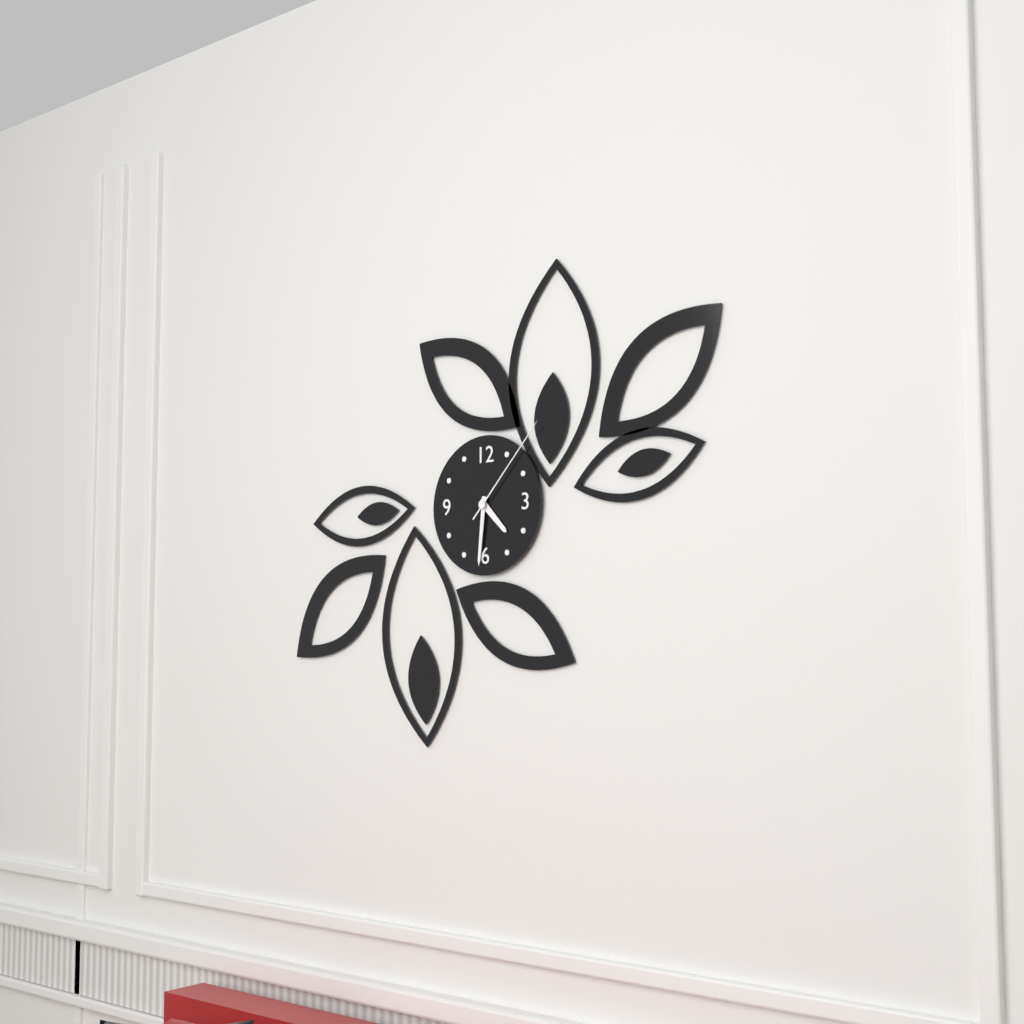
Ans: 4:31:07
